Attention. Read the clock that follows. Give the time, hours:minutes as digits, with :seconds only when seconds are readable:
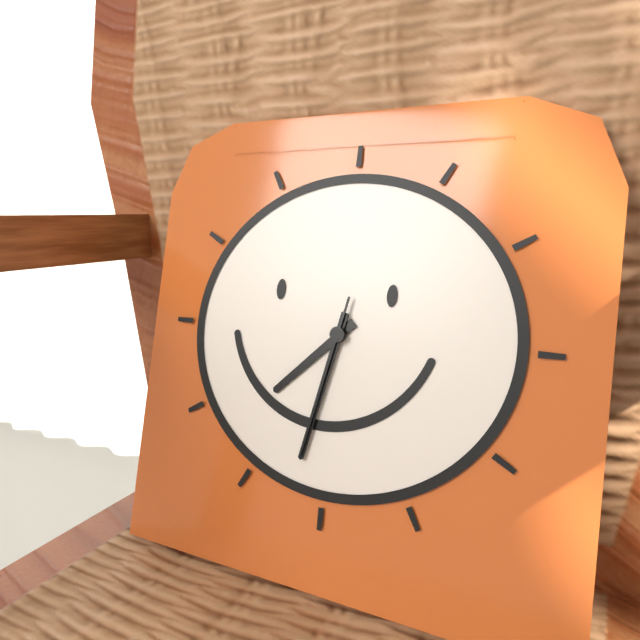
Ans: 7:32:32
